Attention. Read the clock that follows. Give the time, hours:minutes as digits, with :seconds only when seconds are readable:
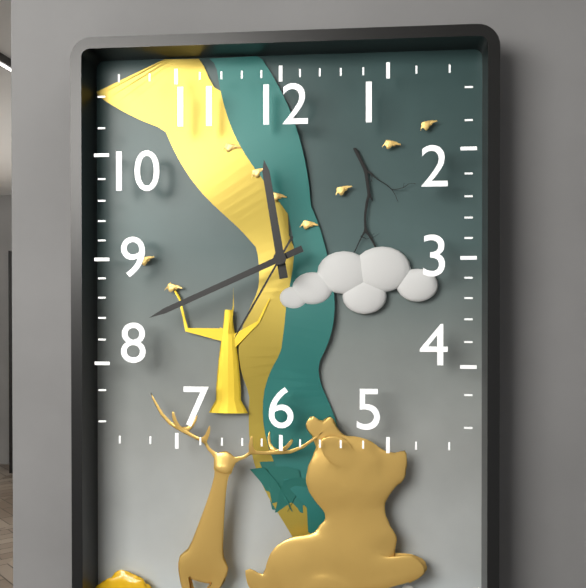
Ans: 11:41:35
